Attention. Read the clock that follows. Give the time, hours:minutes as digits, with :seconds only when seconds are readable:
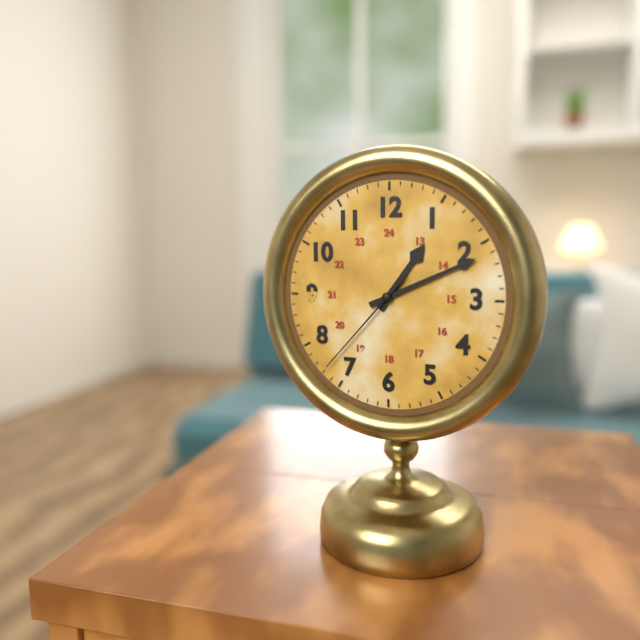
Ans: 1:11:37
